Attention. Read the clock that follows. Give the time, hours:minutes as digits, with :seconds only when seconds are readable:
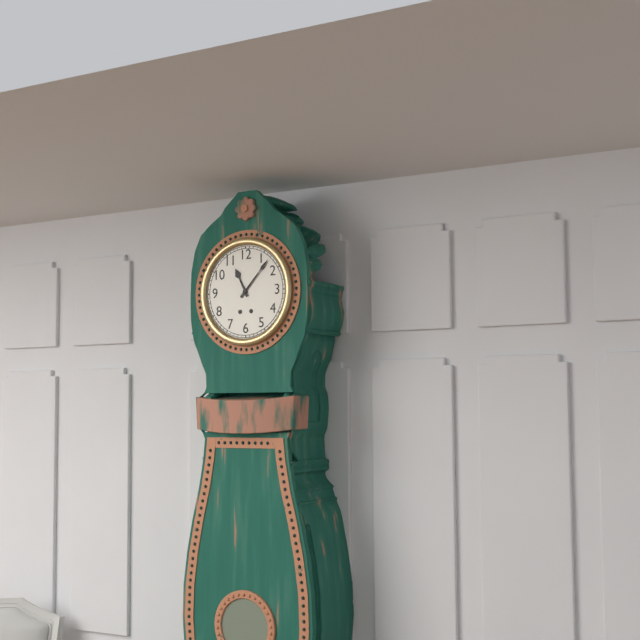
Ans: 11:07
